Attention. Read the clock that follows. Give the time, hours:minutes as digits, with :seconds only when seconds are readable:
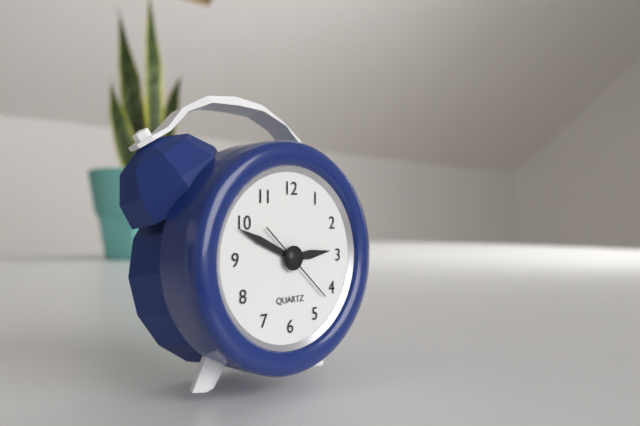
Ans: 2:49:22
